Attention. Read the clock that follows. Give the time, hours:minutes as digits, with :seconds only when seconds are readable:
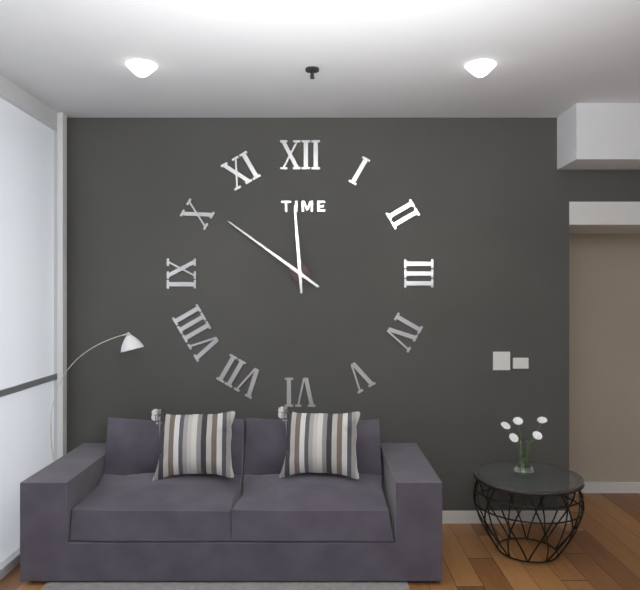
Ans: 11:51
